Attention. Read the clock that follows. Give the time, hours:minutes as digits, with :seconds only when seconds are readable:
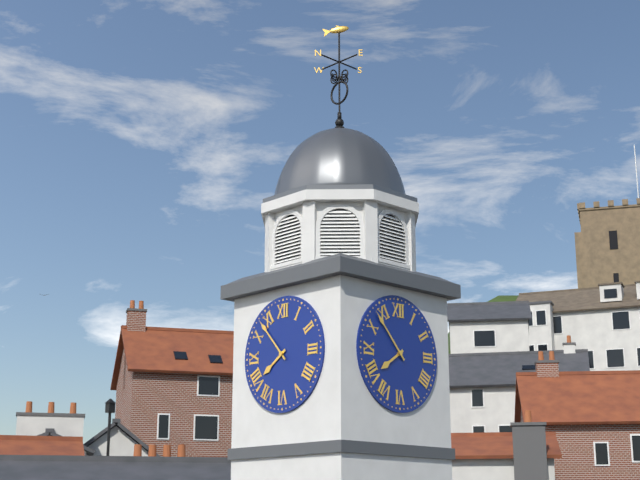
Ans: 7:53
